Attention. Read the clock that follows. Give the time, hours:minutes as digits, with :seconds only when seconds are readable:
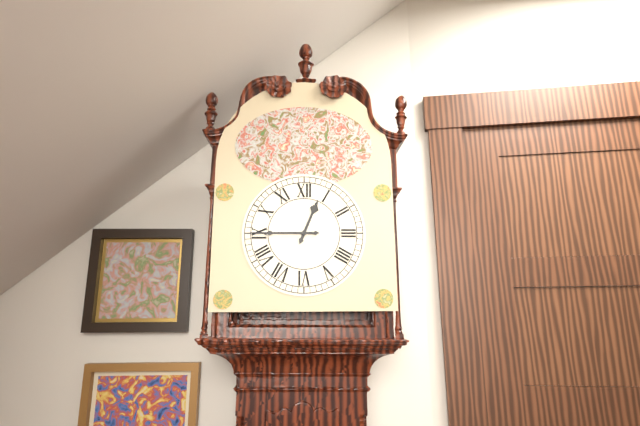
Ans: 12:45
